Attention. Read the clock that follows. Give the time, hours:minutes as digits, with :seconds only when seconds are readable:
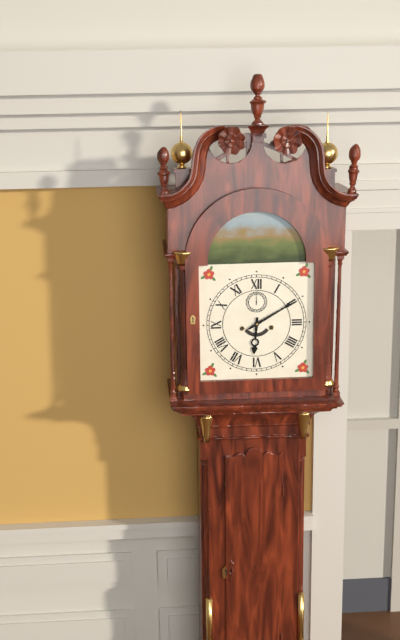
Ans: 6:10
